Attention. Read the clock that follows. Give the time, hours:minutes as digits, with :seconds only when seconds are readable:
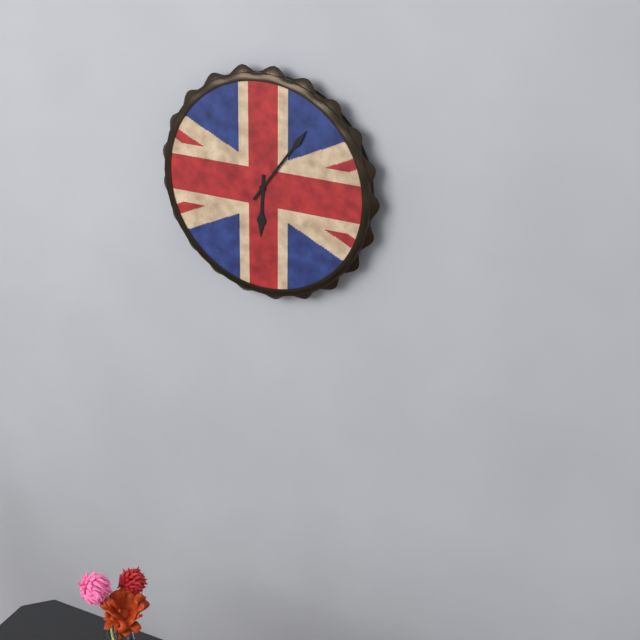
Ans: 6:06
